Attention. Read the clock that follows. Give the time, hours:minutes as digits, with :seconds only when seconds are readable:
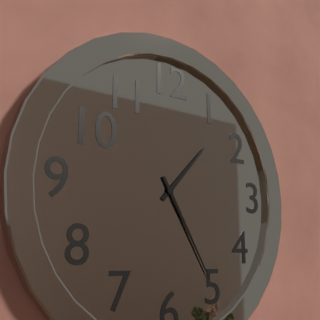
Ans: 1:25
